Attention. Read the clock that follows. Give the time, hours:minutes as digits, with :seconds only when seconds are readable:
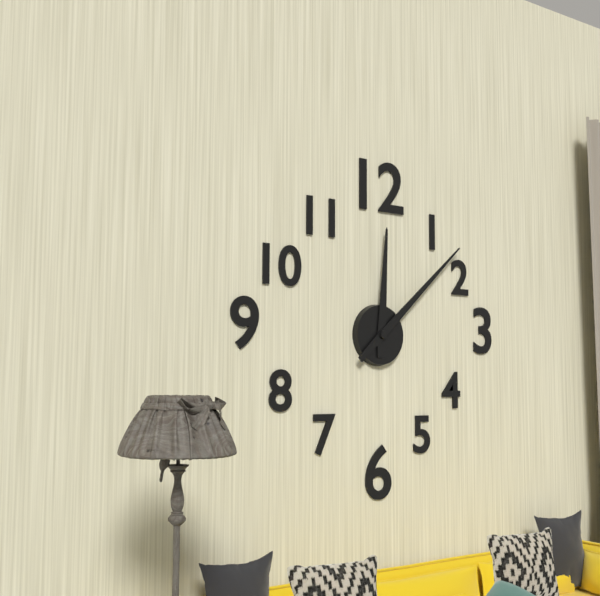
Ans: 12:08
